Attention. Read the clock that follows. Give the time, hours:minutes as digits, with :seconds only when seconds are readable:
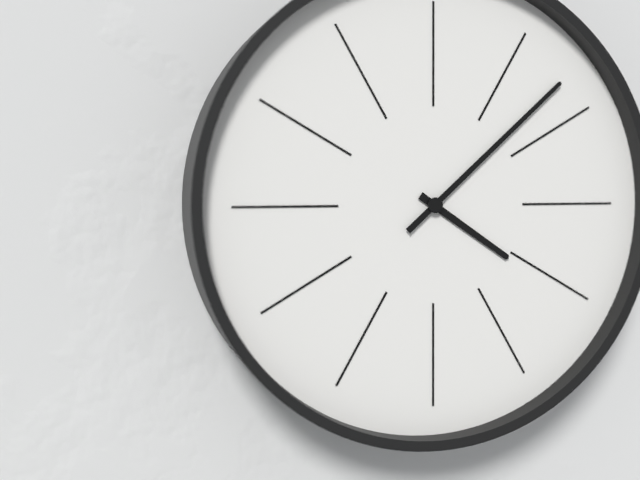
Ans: 4:08
